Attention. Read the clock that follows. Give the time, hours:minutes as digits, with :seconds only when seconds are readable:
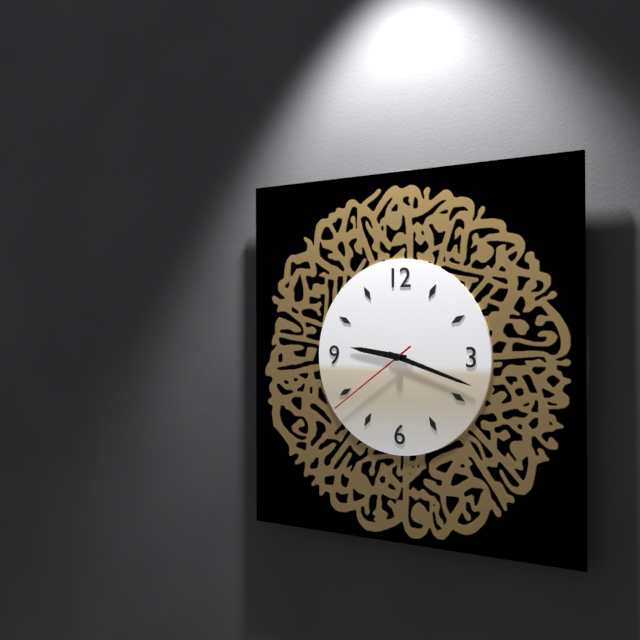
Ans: 9:18:39
